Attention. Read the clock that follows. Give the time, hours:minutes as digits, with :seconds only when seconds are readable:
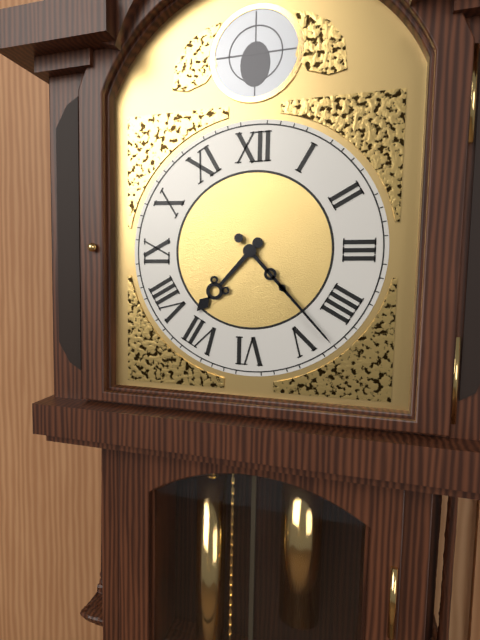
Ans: 7:23
